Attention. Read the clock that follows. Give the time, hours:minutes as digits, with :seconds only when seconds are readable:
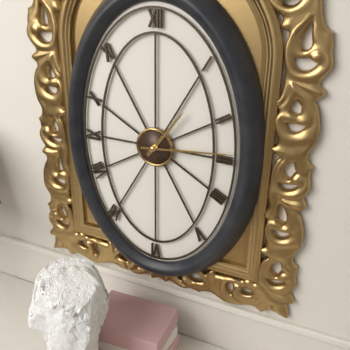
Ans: 1:14
